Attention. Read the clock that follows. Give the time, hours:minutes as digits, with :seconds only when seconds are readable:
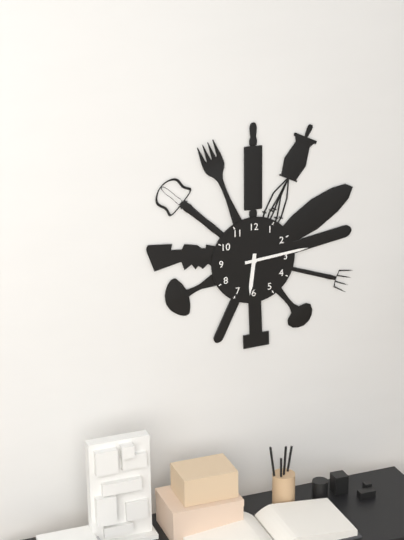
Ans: 6:14
